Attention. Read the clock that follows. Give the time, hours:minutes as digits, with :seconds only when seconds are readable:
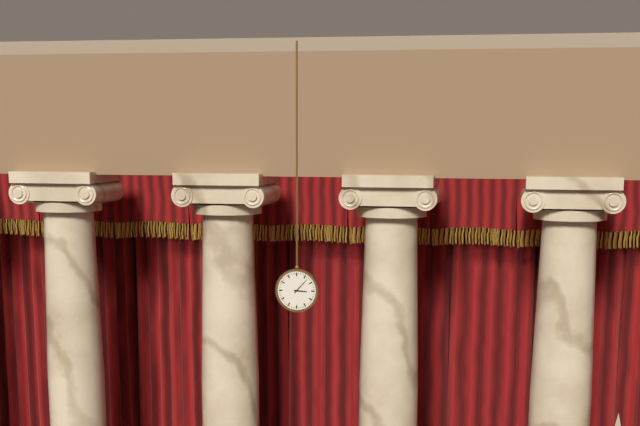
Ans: 3:07
